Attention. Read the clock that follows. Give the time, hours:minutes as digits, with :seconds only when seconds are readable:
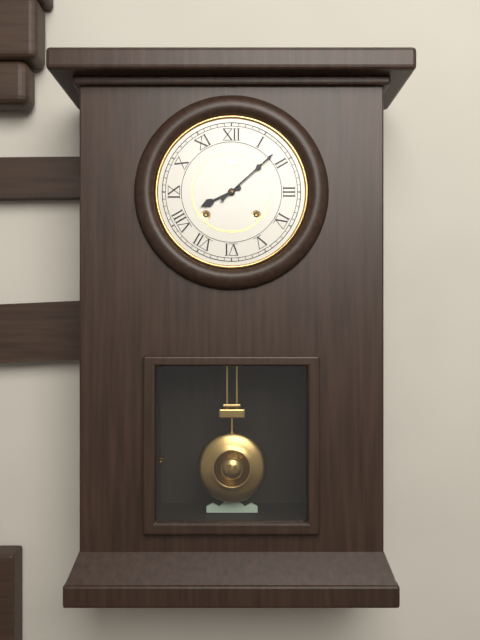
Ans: 8:08
